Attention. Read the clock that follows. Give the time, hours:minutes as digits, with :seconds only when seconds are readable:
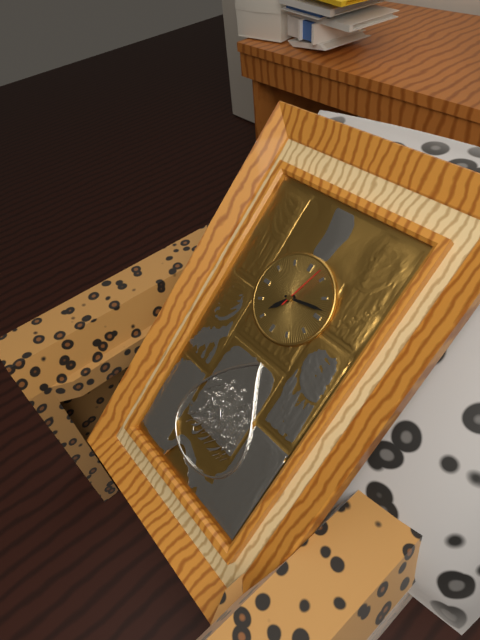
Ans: 7:13
